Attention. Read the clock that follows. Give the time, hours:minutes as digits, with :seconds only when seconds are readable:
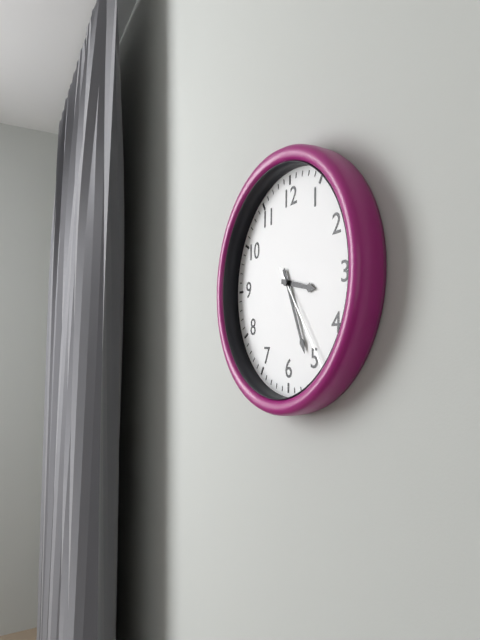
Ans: 3:26:24
